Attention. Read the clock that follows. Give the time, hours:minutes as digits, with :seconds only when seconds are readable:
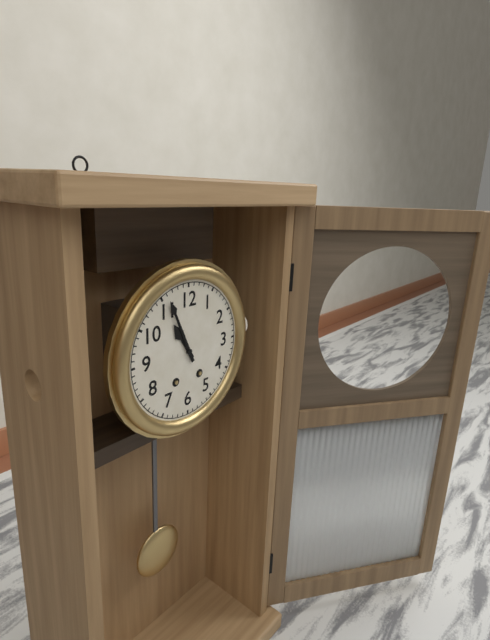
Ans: 10:56
